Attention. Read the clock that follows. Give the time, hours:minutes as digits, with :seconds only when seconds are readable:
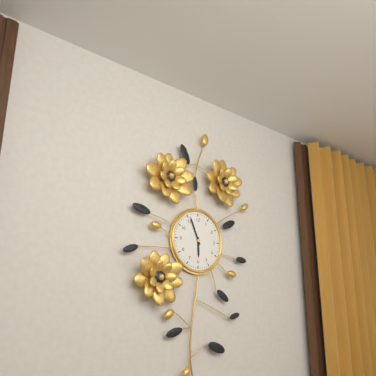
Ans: 5:56
